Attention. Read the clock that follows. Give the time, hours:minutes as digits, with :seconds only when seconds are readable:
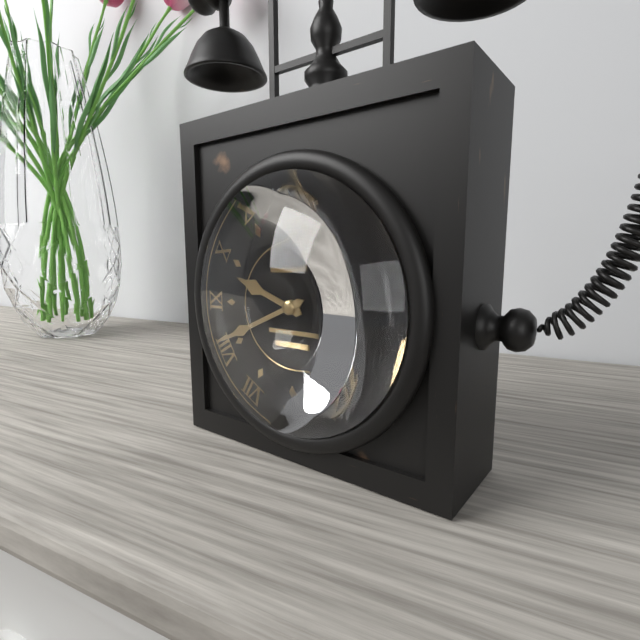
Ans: 9:41
